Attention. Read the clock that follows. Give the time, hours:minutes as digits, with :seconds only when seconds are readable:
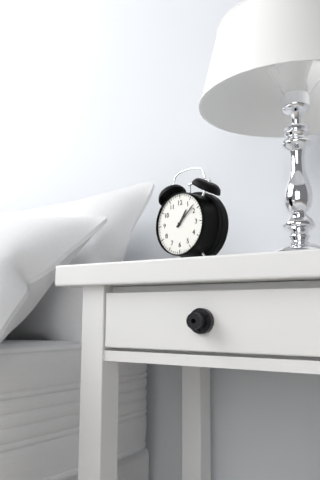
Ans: 1:08
